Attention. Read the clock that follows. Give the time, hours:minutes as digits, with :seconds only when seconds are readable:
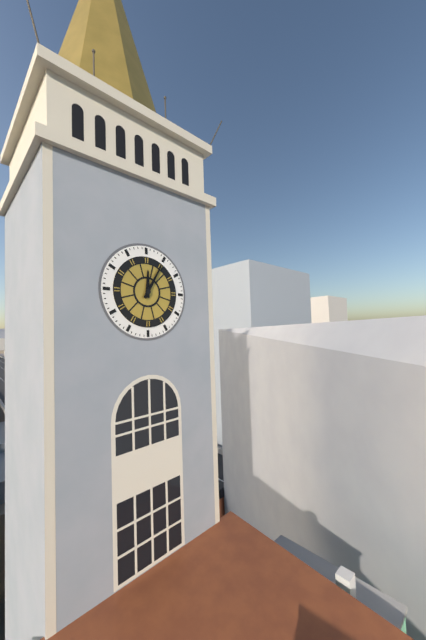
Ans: 12:05
